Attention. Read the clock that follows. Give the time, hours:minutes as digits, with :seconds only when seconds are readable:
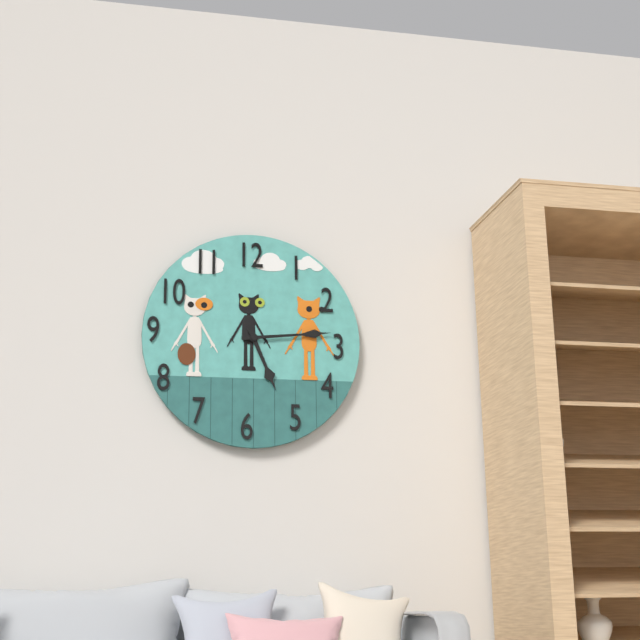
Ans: 5:14
